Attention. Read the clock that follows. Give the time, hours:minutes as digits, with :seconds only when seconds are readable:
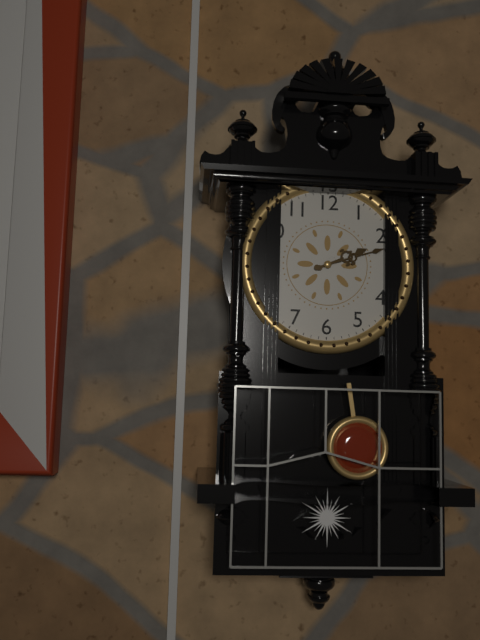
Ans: 2:12
